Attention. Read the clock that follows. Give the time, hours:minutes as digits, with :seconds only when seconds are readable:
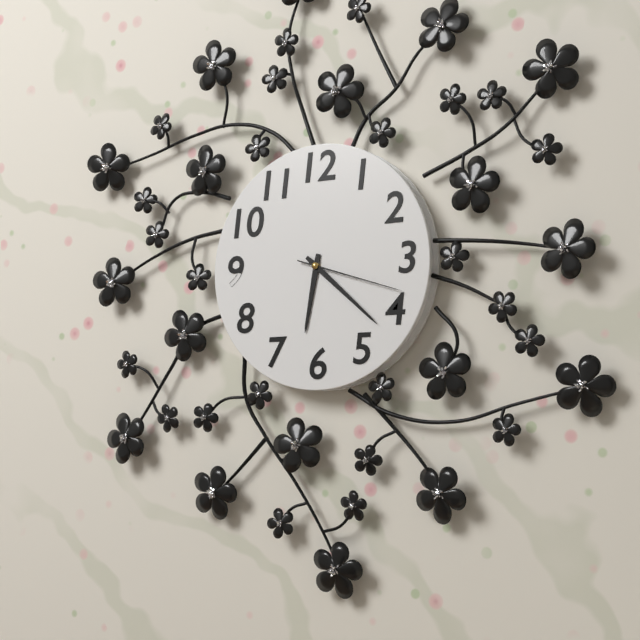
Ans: 6:22:18
